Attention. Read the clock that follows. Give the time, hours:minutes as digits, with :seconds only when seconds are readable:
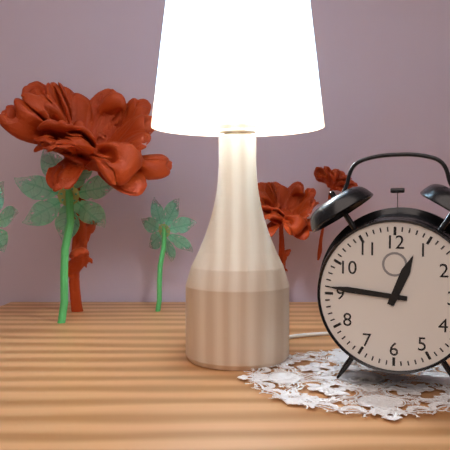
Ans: 12:46
